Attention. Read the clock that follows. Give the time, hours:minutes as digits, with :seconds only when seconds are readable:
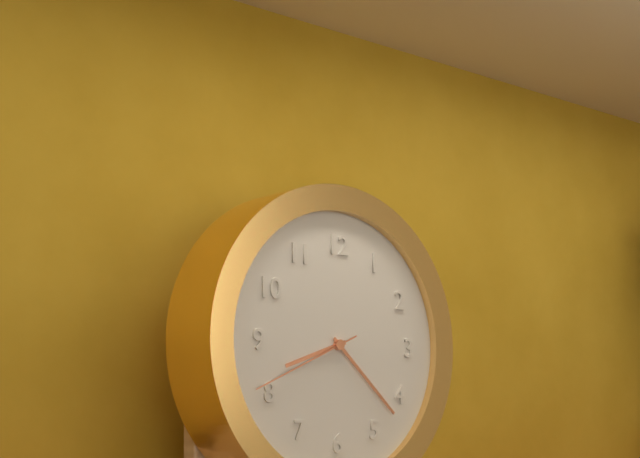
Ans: 8:22:41
